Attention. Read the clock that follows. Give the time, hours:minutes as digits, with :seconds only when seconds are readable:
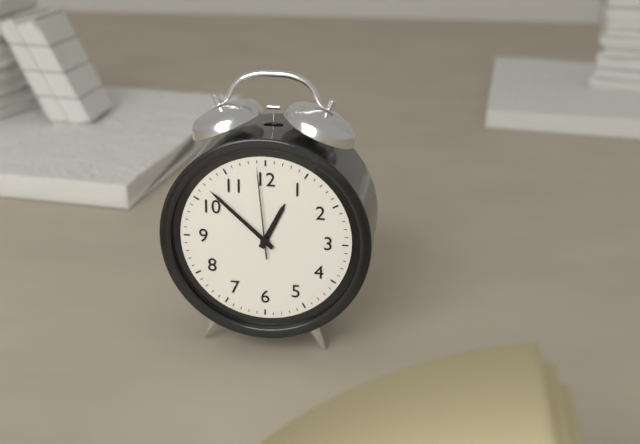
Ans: 12:52:59
